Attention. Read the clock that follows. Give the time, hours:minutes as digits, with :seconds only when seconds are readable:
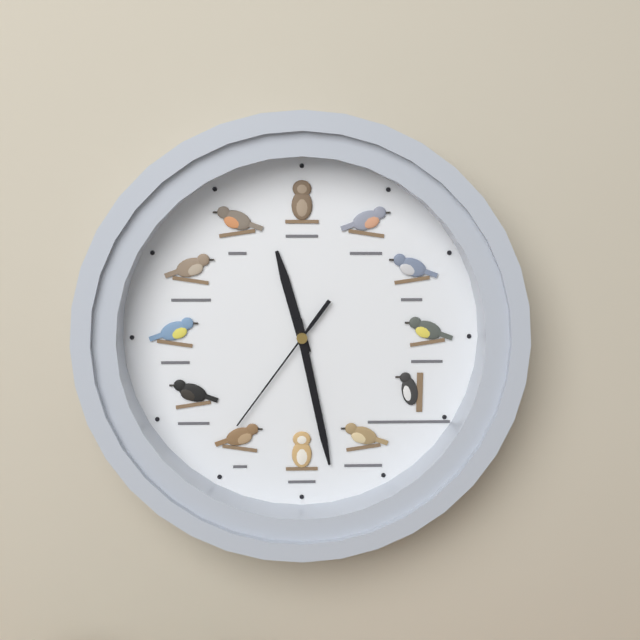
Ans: 11:28:36
